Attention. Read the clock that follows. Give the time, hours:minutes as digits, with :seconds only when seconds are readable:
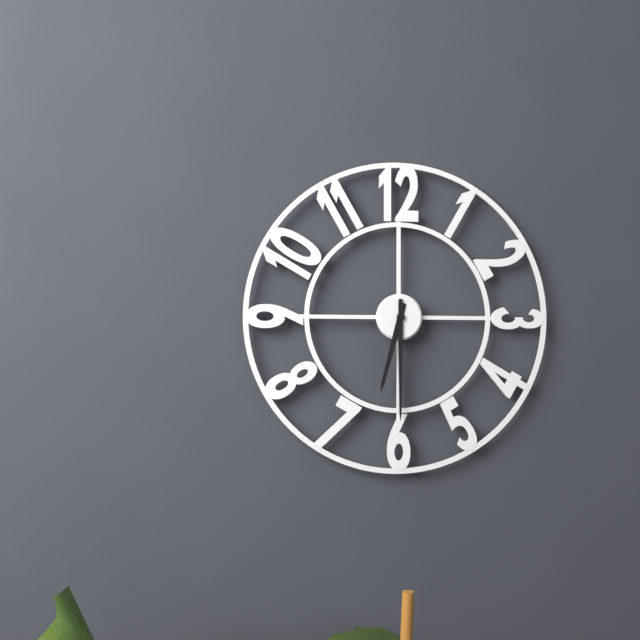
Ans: 6:30
